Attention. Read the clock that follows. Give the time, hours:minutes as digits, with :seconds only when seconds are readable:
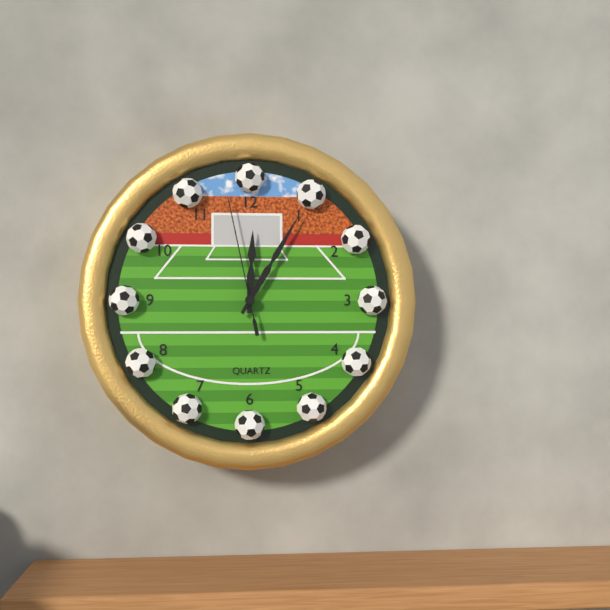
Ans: 12:05:58
